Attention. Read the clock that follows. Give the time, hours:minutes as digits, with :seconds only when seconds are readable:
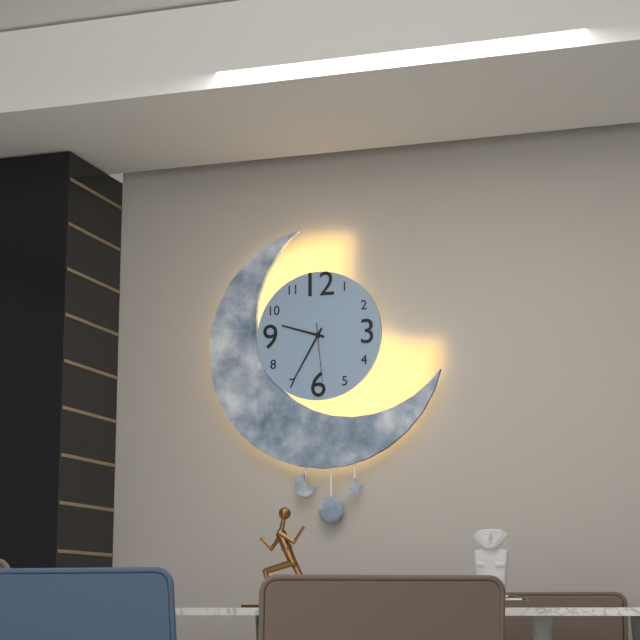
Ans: 9:35:29
